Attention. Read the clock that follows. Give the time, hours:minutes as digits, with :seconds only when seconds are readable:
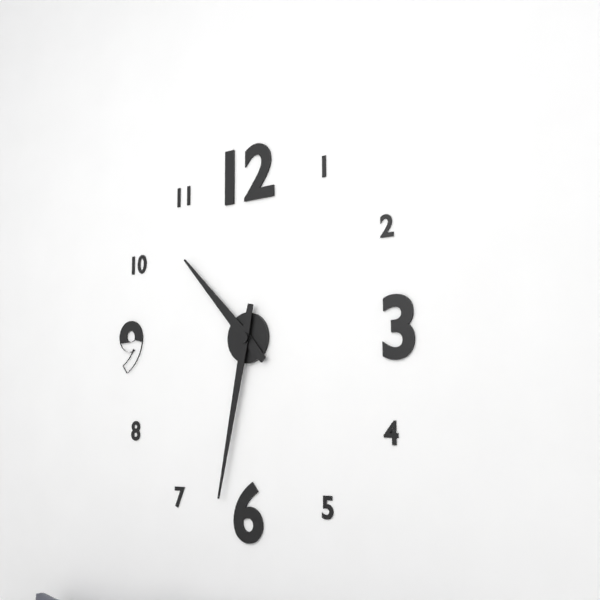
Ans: 10:32
